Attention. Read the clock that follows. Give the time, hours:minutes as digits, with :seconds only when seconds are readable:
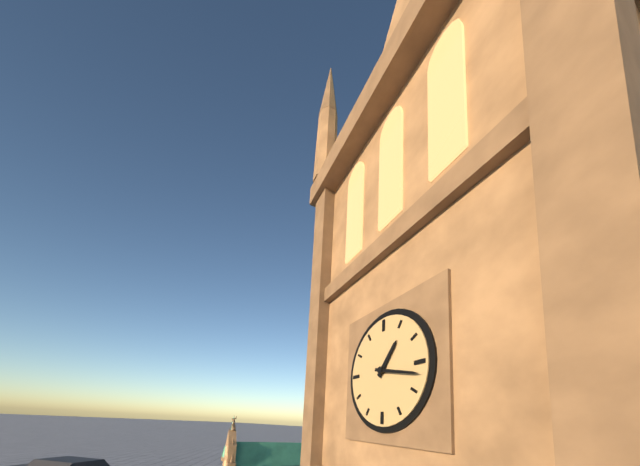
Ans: 1:17
